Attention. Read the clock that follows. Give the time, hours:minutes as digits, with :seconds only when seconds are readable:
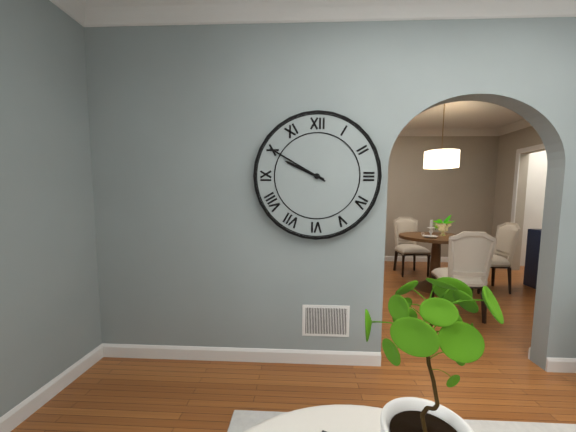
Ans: 9:50
